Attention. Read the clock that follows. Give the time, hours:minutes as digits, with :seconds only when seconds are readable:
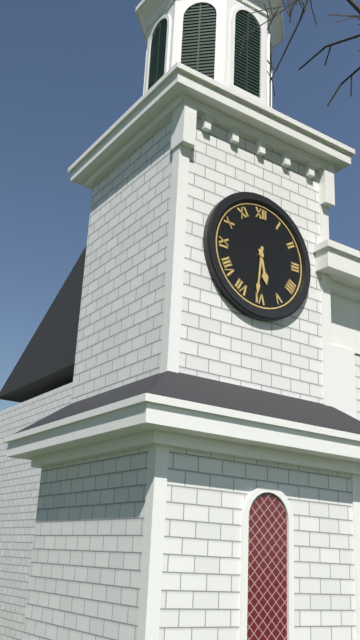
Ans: 5:31
